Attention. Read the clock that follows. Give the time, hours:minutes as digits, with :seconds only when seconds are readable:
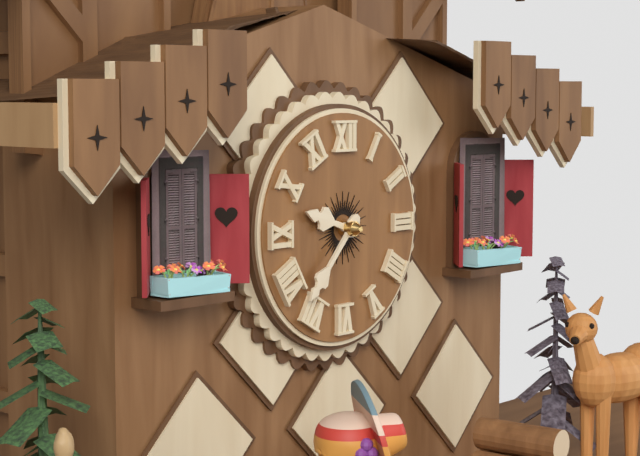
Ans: 9:37
